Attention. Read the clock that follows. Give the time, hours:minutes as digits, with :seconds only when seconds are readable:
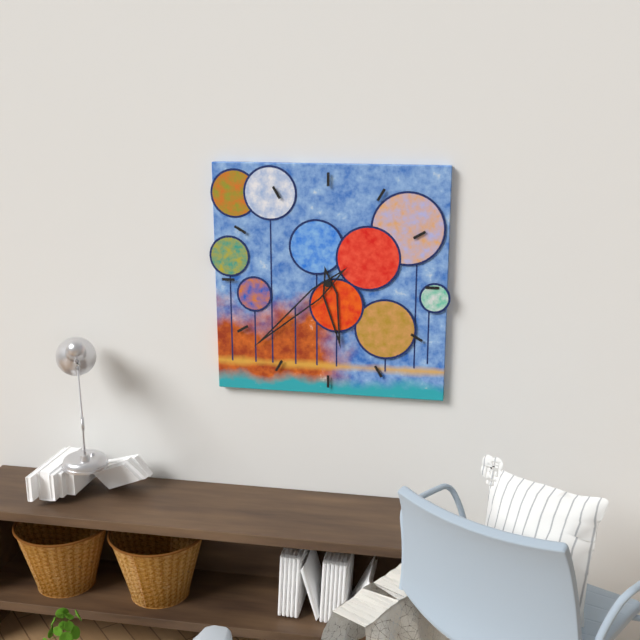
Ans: 5:38
